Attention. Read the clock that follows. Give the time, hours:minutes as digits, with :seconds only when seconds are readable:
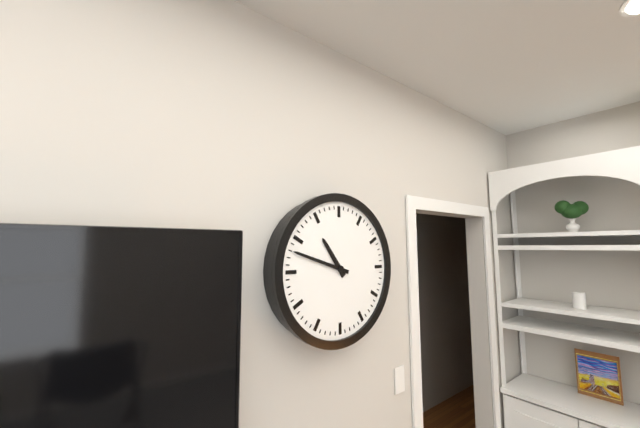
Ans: 10:48
